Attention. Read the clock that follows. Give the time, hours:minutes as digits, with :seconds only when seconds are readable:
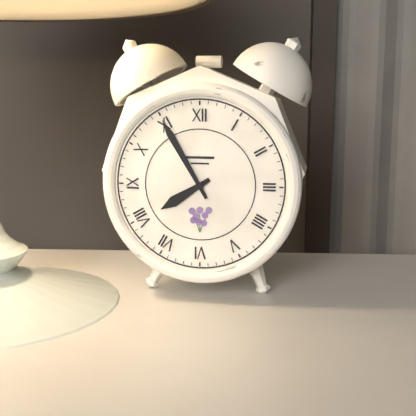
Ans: 7:55
